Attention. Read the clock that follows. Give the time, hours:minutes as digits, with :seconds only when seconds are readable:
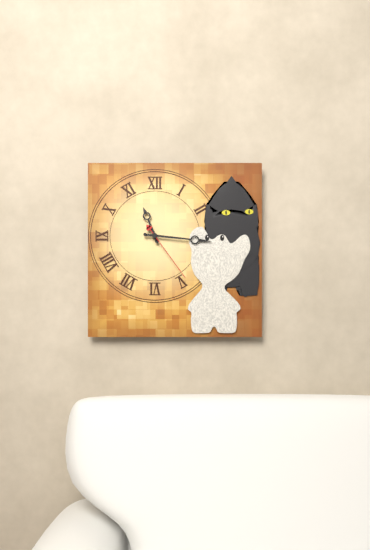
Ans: 11:16:24
